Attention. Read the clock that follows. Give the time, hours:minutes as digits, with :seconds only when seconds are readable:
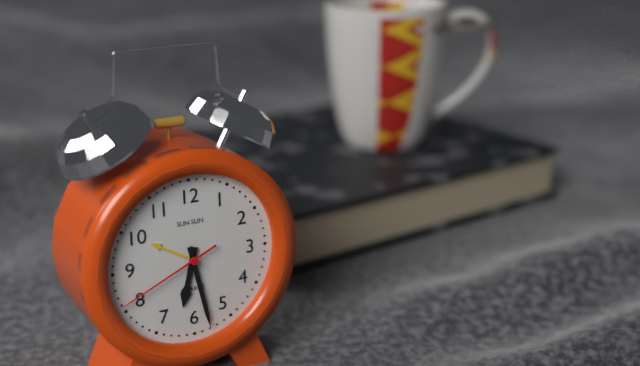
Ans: 6:28:41
